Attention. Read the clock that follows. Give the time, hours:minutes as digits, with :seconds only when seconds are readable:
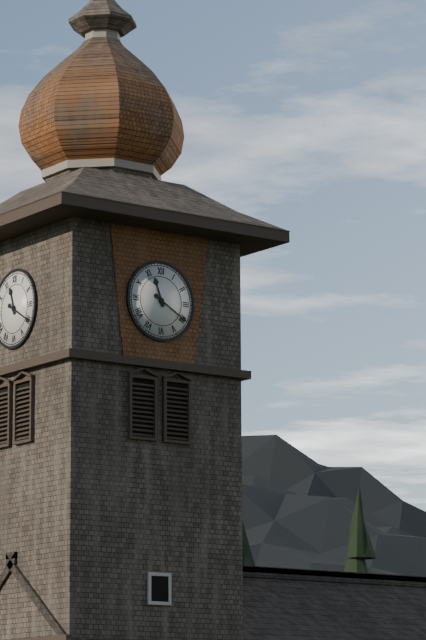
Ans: 11:20
